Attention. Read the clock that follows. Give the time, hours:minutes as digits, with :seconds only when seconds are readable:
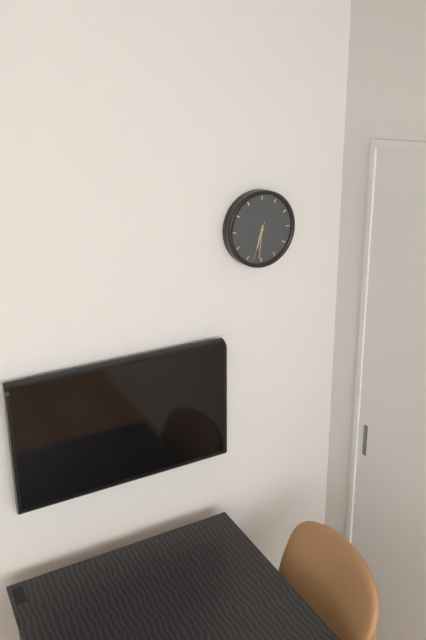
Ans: 6:31
